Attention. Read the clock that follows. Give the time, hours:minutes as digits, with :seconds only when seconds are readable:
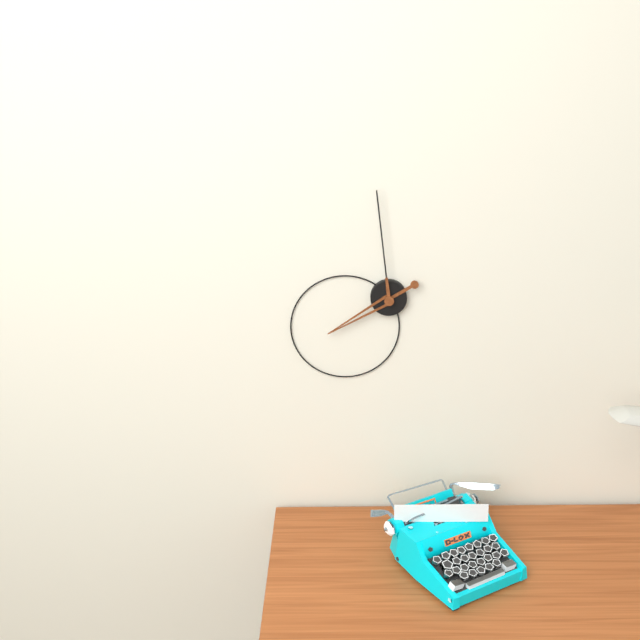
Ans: 7:59
